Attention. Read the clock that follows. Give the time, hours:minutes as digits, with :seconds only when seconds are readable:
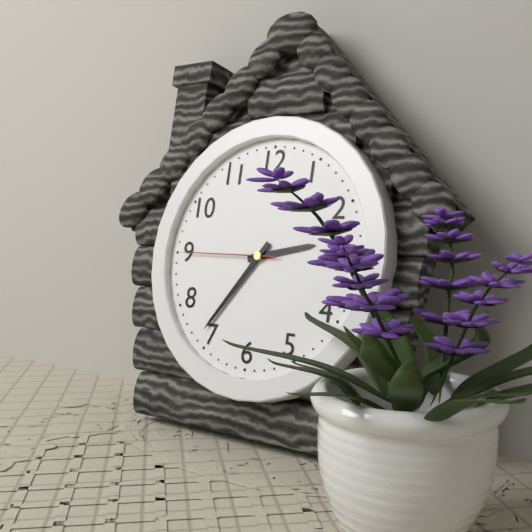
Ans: 2:36:45
